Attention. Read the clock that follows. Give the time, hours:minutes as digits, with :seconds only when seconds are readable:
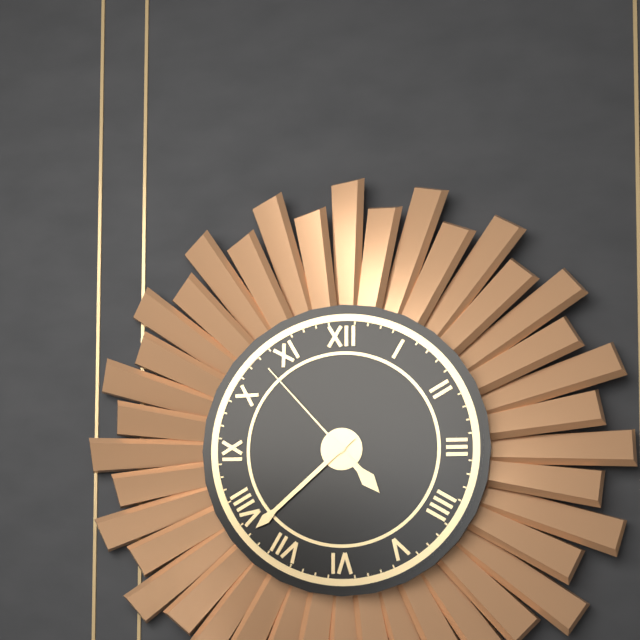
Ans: 4:38:53
